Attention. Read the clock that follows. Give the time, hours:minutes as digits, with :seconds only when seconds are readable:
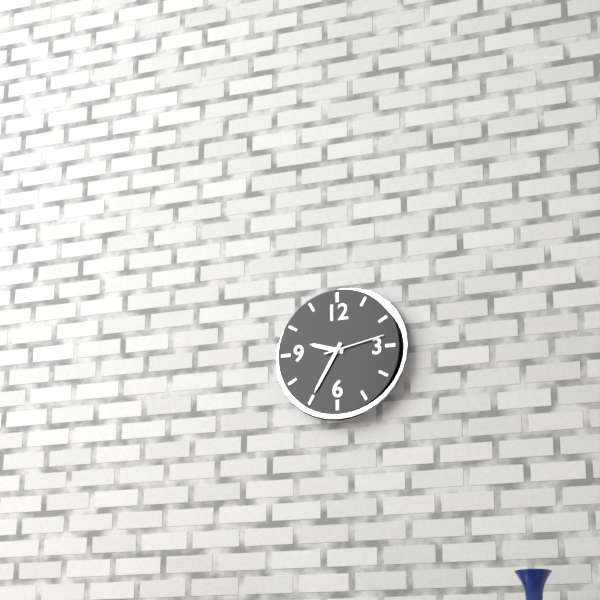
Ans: 9:35:13
